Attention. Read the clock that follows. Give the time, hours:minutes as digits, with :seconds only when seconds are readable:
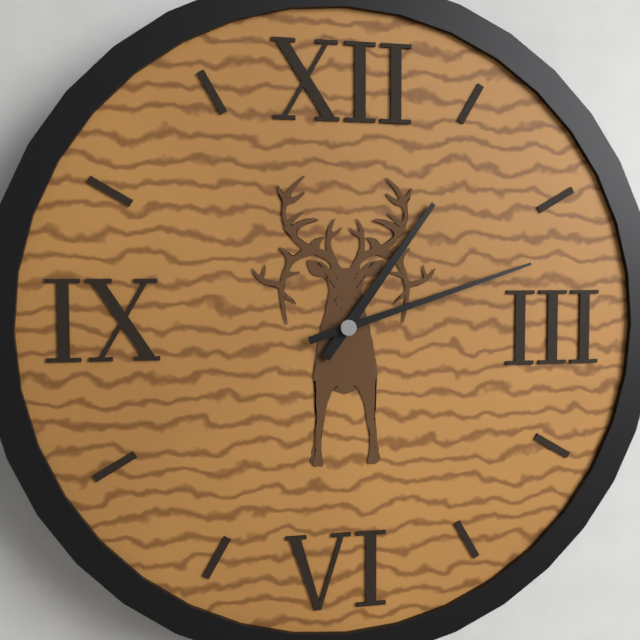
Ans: 1:12
